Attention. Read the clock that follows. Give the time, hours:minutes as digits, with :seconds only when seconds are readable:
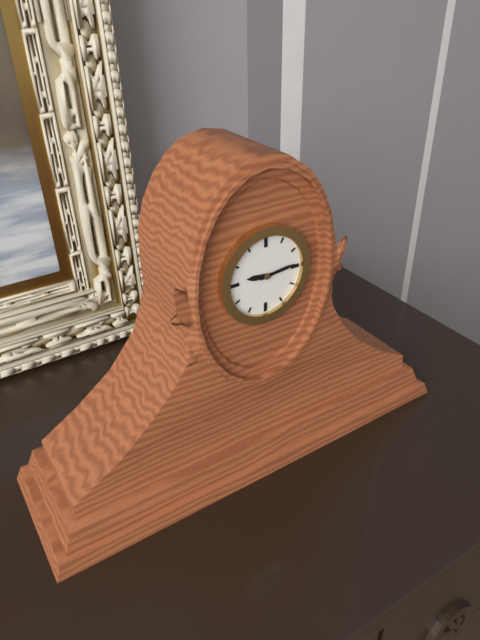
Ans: 9:14
